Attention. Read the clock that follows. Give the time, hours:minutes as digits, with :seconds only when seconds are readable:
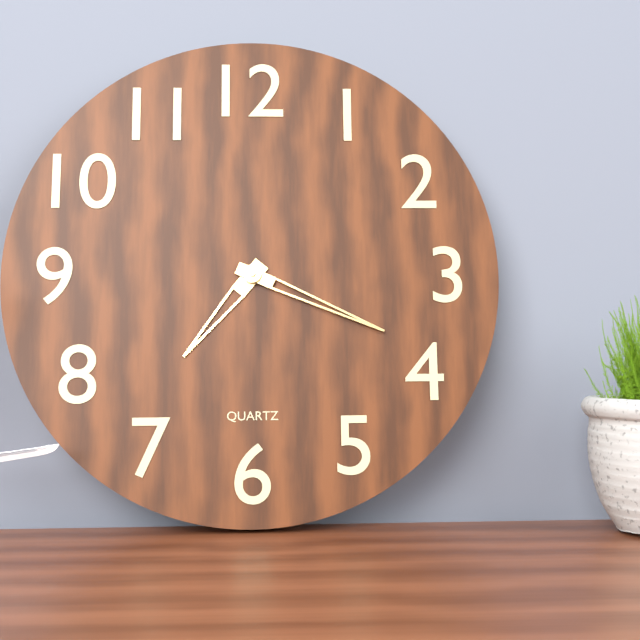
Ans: 7:19
